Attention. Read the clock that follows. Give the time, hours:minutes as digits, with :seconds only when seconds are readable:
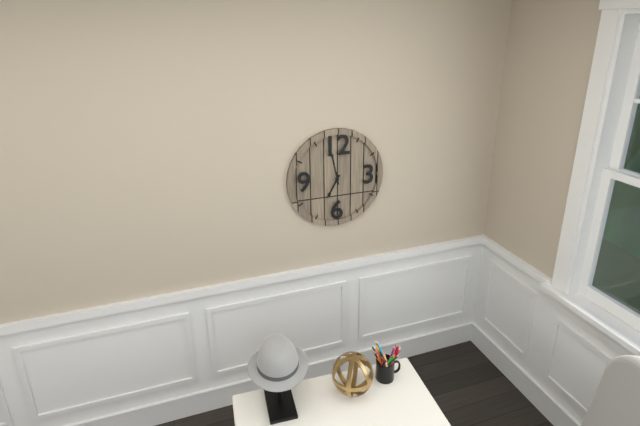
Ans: 6:58
